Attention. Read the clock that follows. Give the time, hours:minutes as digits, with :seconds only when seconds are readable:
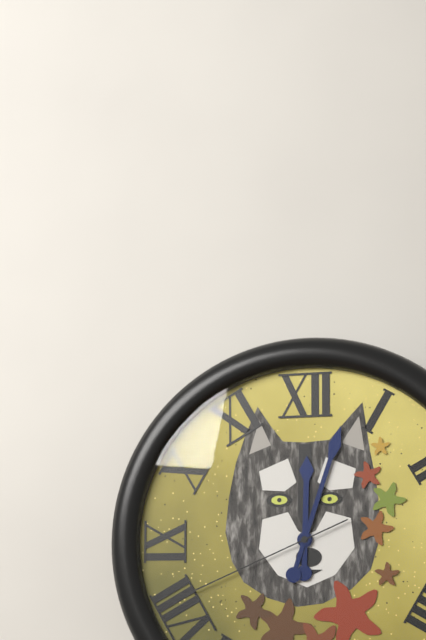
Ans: 12:03:41
